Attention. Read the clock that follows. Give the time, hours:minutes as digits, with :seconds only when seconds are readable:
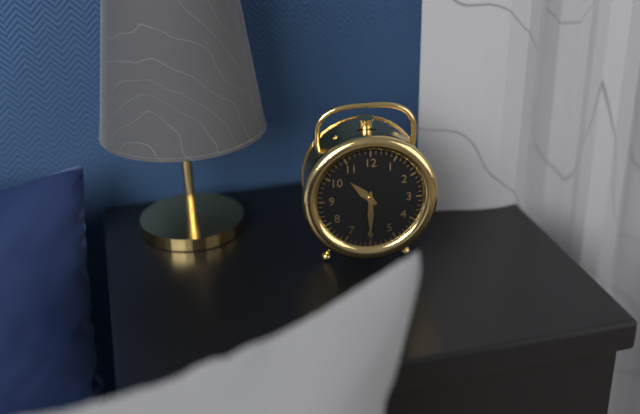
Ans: 10:30
